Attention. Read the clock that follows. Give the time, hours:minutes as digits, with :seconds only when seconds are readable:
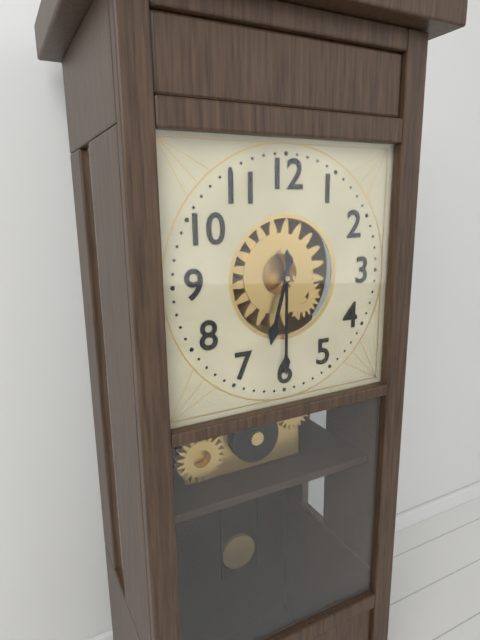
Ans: 6:30
